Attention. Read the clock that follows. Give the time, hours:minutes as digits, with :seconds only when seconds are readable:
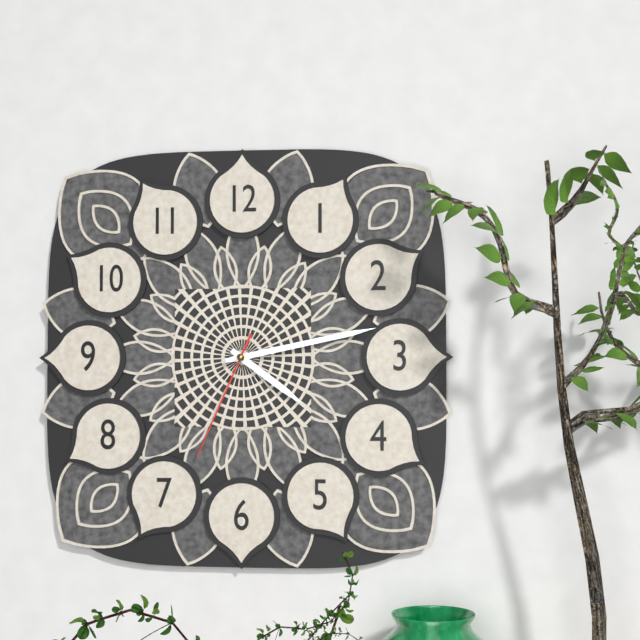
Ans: 4:13:34
